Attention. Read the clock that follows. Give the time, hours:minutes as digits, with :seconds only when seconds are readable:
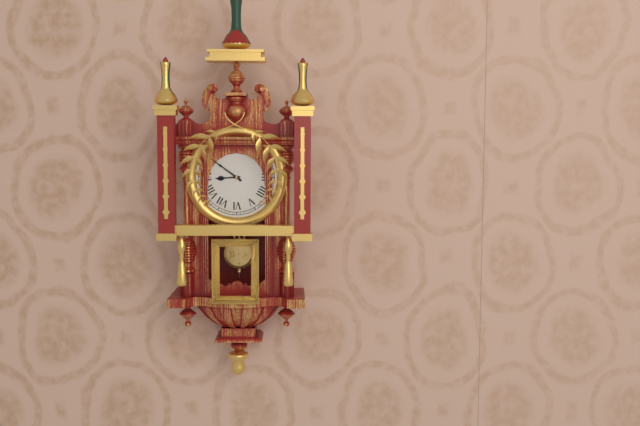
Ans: 8:51
